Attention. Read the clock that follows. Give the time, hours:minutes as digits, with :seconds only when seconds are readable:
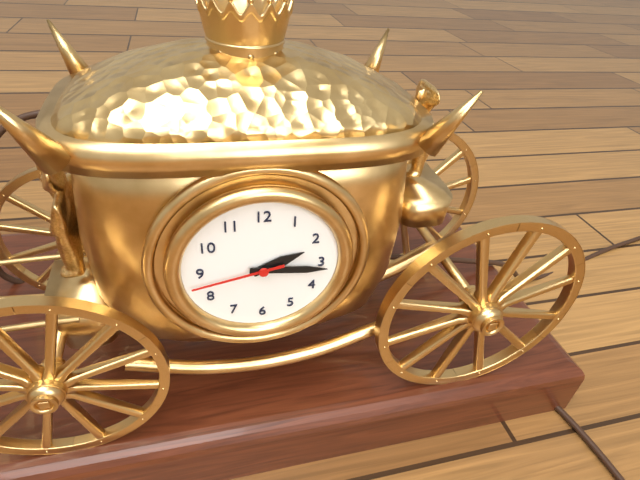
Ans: 2:16:43
